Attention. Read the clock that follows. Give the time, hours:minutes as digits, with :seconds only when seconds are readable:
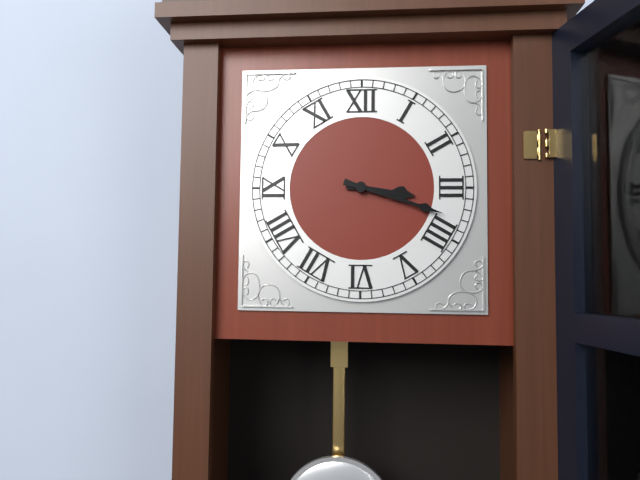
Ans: 3:18
